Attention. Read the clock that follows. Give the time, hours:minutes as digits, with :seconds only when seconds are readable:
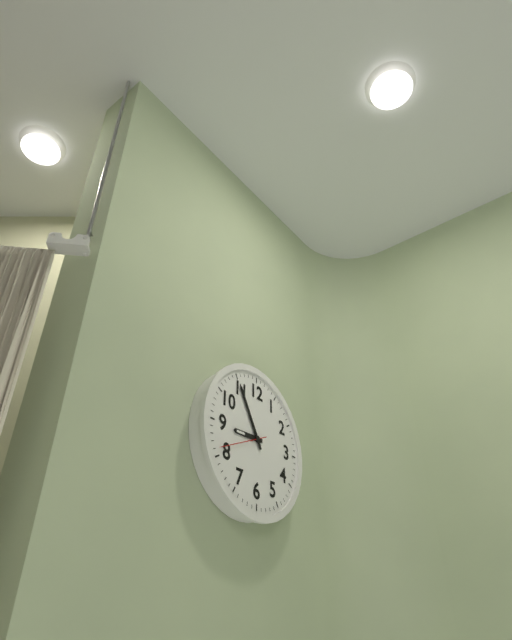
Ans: 8:55
